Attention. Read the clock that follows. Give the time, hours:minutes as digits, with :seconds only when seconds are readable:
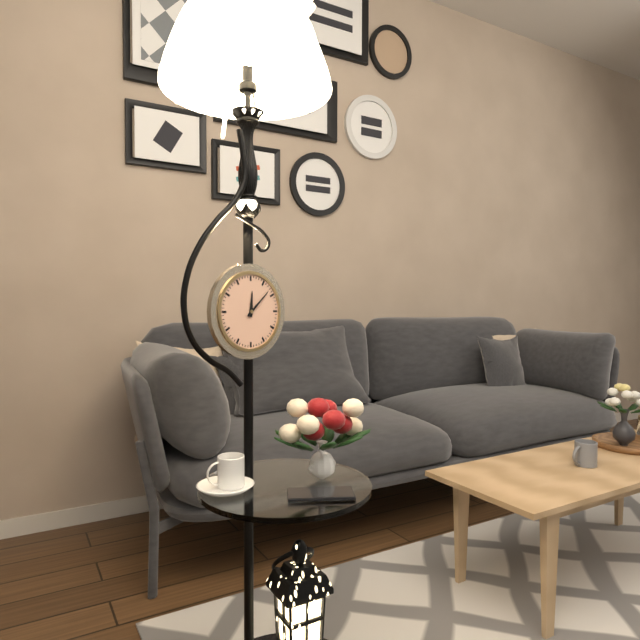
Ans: 12:08
